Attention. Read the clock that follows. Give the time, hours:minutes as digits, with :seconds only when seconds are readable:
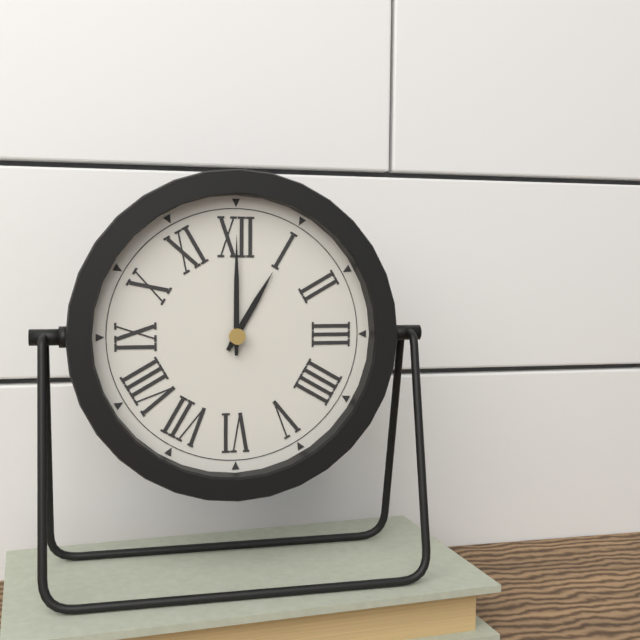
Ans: 1:00
